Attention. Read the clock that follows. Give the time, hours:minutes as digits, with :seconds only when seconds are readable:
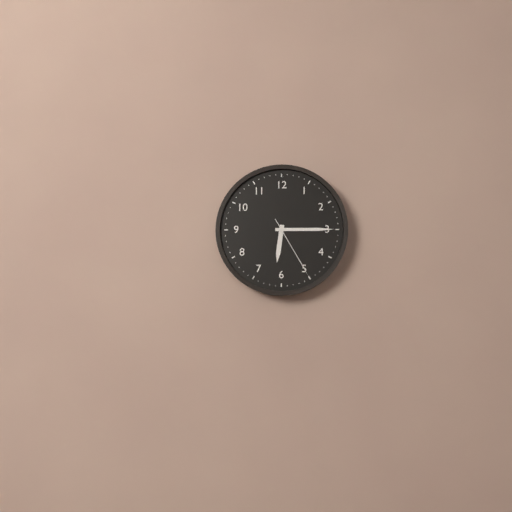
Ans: 6:15:25
